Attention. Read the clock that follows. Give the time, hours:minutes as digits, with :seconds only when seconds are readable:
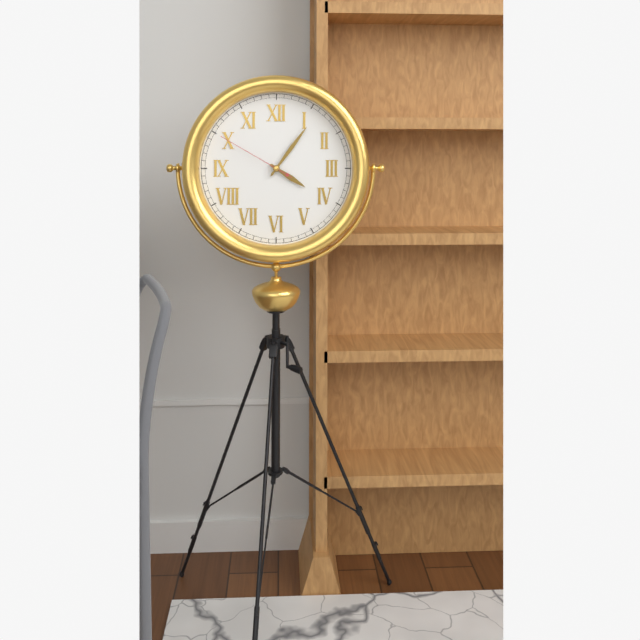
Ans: 4:06:50
